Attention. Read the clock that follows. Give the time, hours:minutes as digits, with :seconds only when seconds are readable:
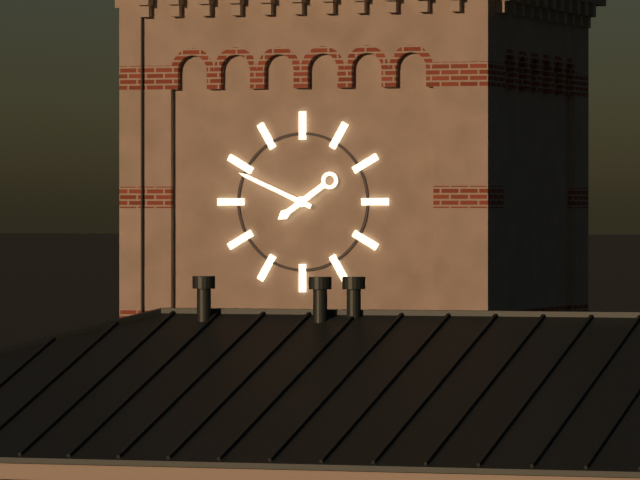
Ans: 7:49
